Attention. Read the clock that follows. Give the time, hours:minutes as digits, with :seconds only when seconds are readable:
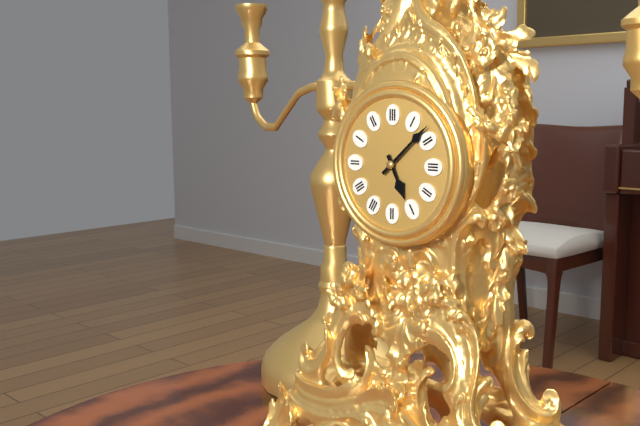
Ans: 5:08
